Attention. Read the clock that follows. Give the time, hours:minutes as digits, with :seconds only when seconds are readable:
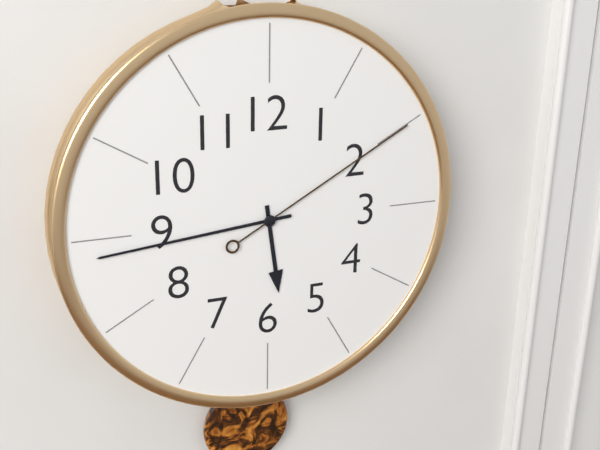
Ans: 5:44:10
